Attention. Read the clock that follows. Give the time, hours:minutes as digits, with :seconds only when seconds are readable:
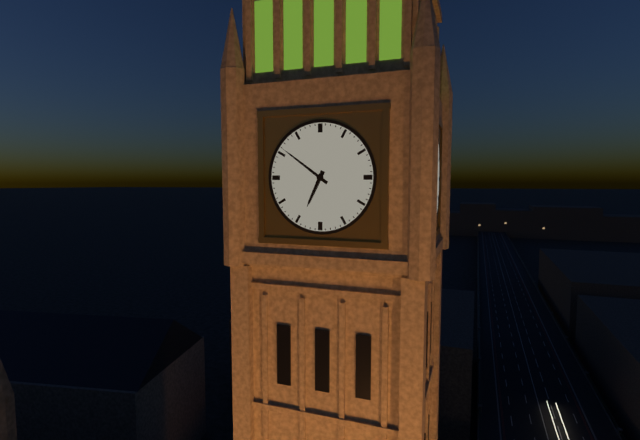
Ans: 6:51
